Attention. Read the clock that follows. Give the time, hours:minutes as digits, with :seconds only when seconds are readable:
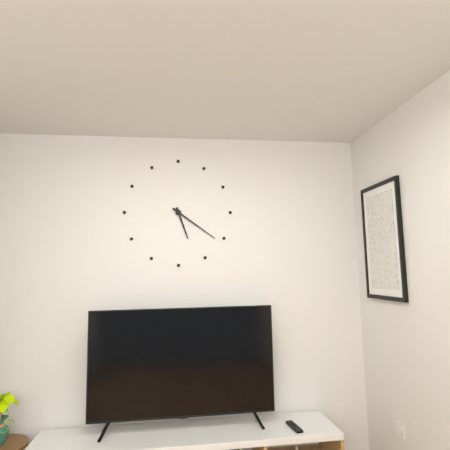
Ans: 5:21
